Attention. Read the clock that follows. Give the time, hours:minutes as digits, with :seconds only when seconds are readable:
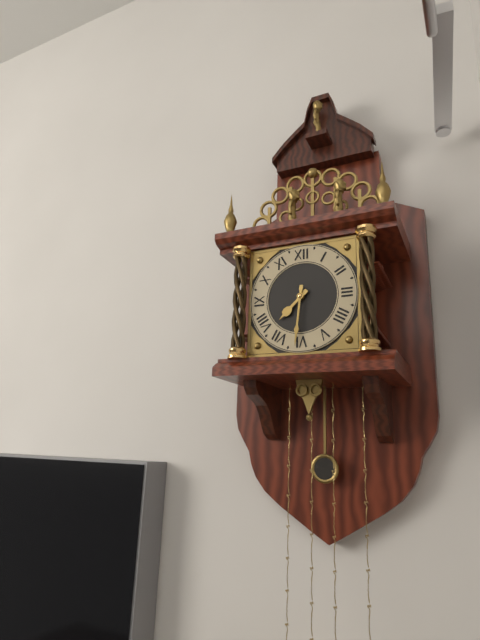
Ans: 7:31
